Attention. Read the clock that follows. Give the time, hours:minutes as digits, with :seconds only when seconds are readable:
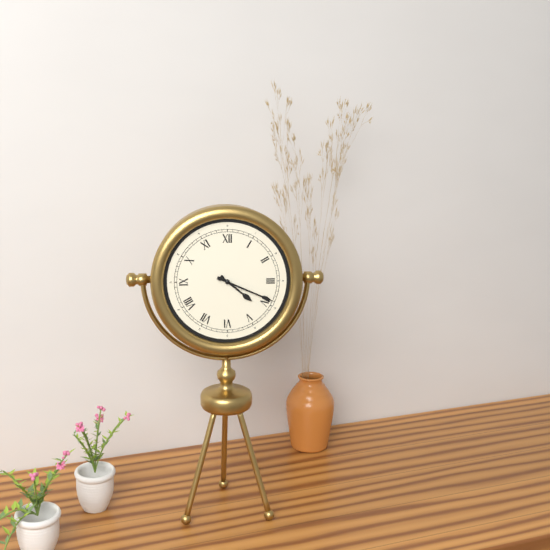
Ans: 4:19
